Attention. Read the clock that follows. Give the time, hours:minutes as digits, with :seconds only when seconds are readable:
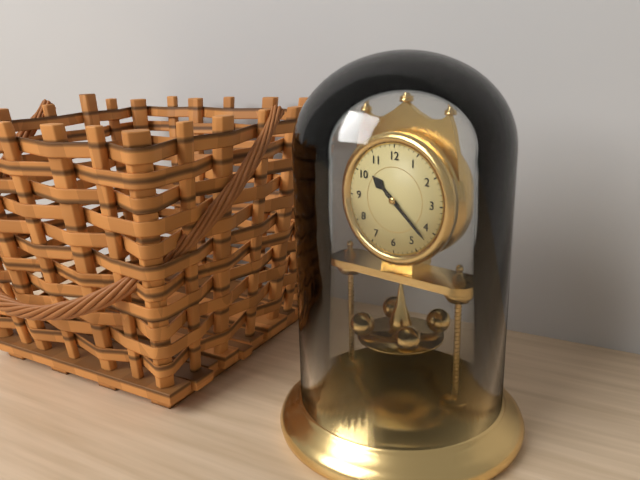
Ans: 10:22
